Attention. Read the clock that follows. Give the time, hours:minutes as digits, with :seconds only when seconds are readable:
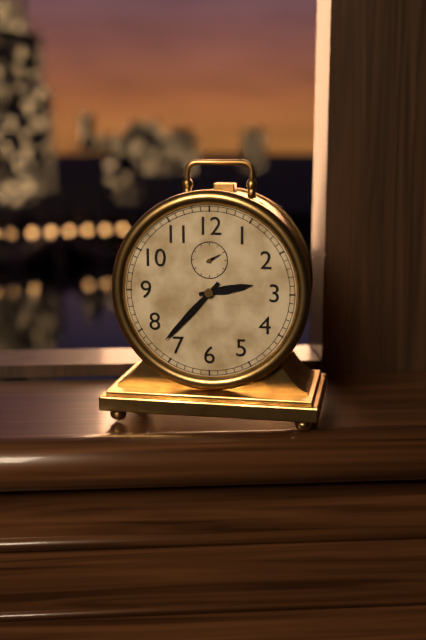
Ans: 2:37
